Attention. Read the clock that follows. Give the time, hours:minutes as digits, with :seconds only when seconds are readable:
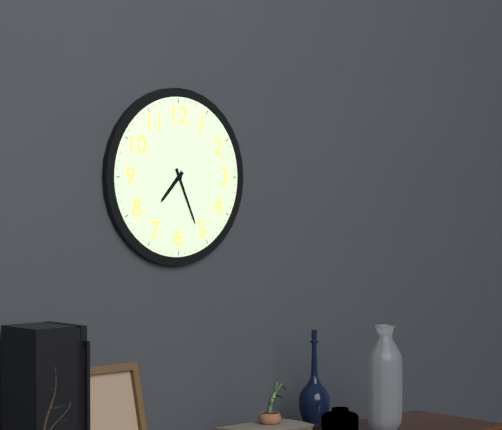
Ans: 7:26
